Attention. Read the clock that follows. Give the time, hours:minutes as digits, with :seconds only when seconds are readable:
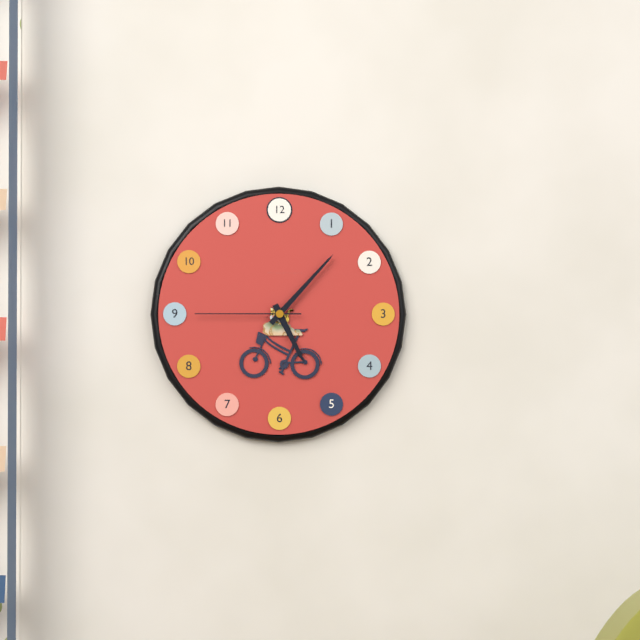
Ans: 5:07:45
